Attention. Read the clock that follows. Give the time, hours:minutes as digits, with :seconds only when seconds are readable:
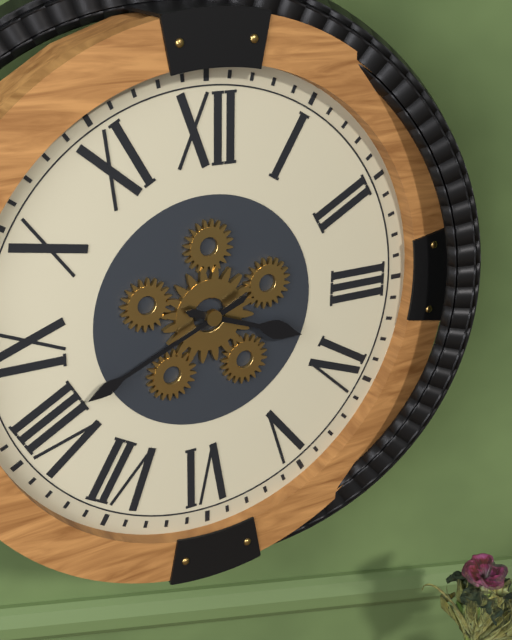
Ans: 3:41
